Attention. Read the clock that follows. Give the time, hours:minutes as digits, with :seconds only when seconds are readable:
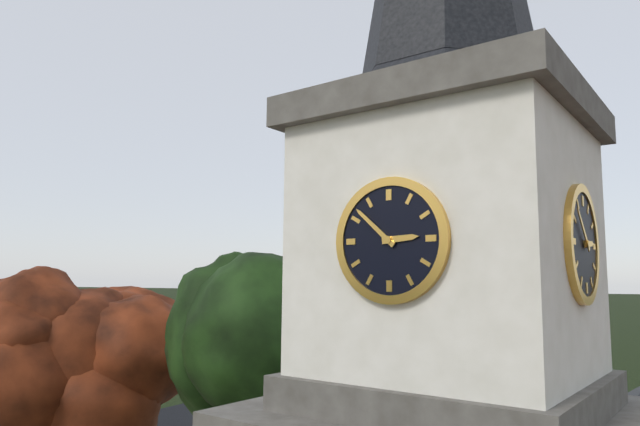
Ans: 2:52
